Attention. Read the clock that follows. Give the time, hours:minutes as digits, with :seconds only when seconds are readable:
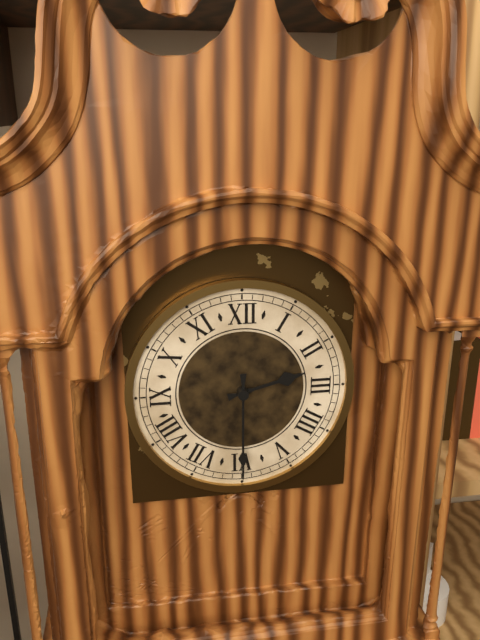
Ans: 2:30
